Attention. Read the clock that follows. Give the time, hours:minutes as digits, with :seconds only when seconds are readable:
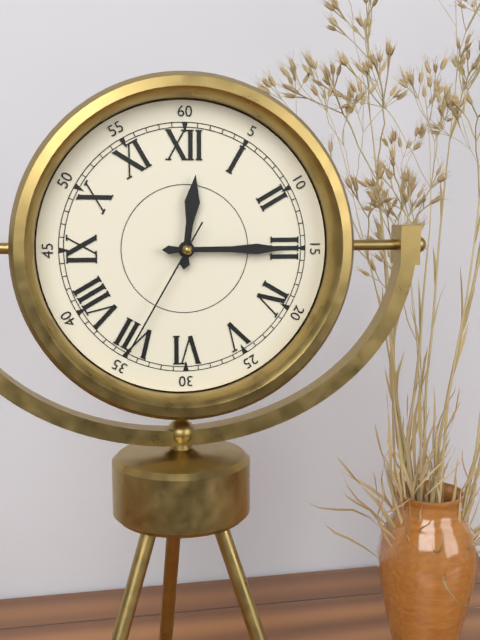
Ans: 12:15:35
